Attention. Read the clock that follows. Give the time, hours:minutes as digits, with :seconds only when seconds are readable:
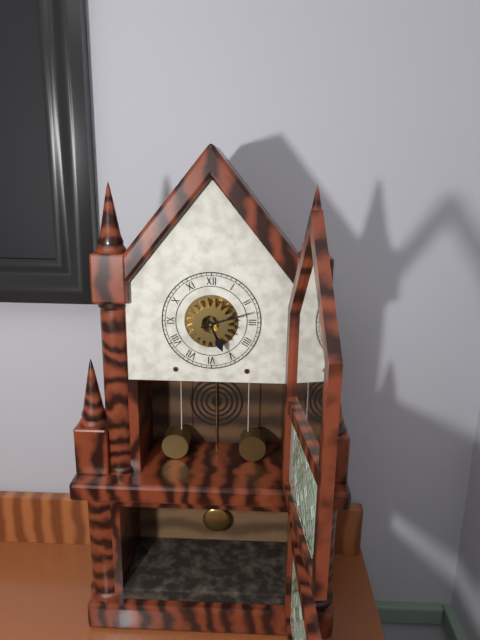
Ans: 5:12
